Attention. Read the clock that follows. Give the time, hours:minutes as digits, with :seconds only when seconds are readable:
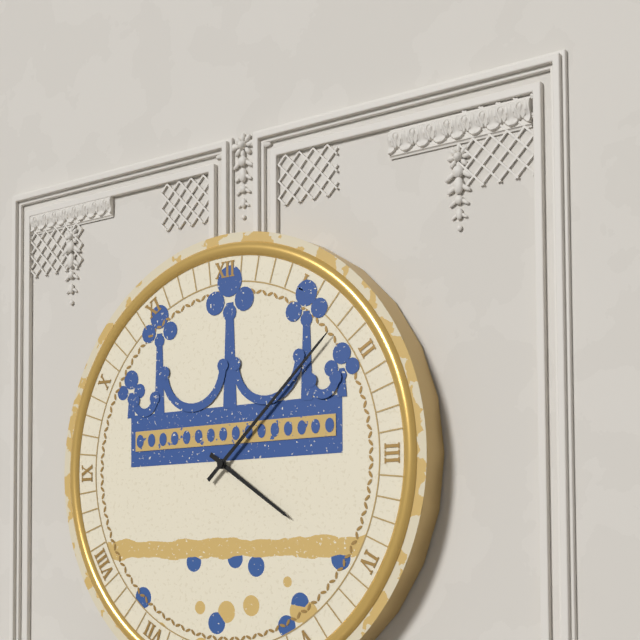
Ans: 4:08
